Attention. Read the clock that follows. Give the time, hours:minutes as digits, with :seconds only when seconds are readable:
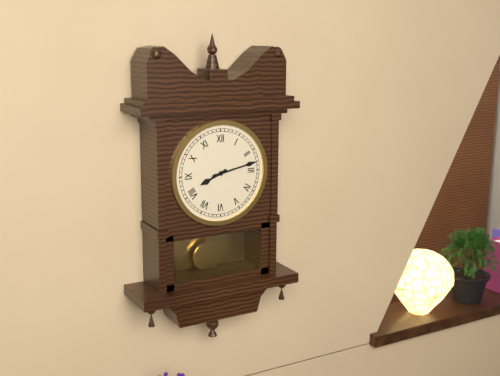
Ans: 8:13
